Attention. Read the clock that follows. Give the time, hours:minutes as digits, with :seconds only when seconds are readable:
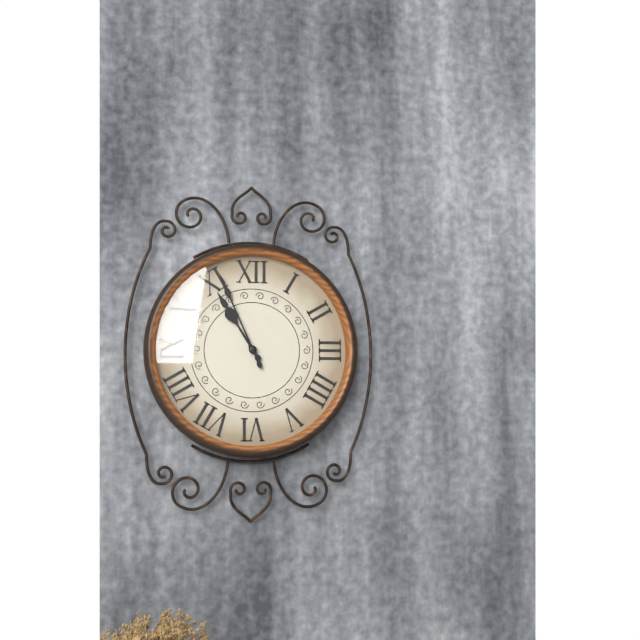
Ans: 10:56
